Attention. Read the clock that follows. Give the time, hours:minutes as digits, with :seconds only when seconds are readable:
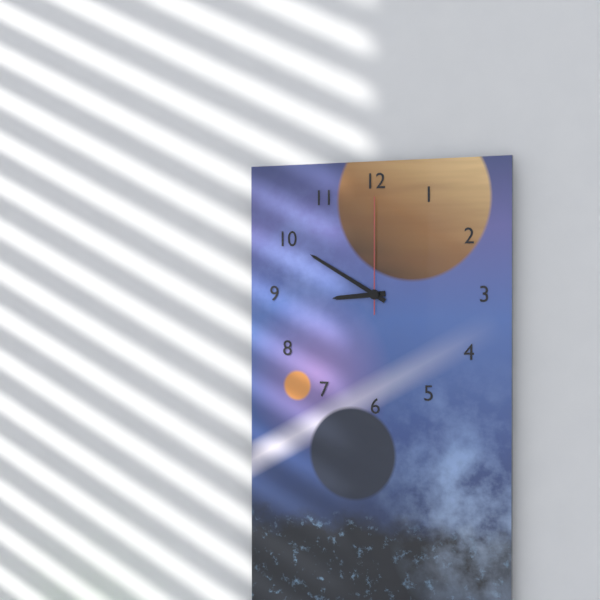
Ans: 8:50:00
